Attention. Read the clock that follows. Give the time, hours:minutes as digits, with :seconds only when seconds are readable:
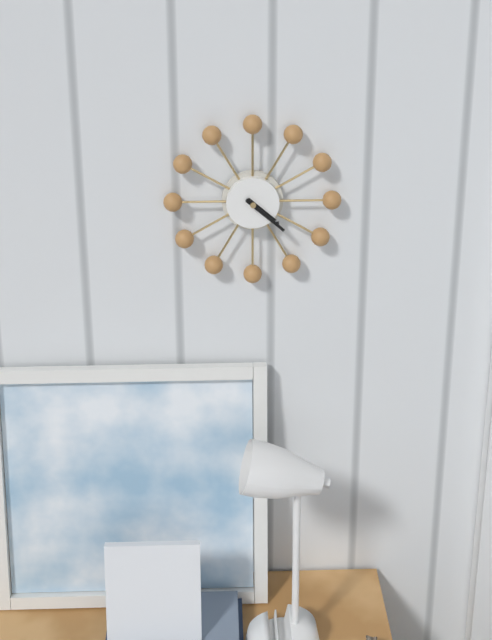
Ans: 4:22
